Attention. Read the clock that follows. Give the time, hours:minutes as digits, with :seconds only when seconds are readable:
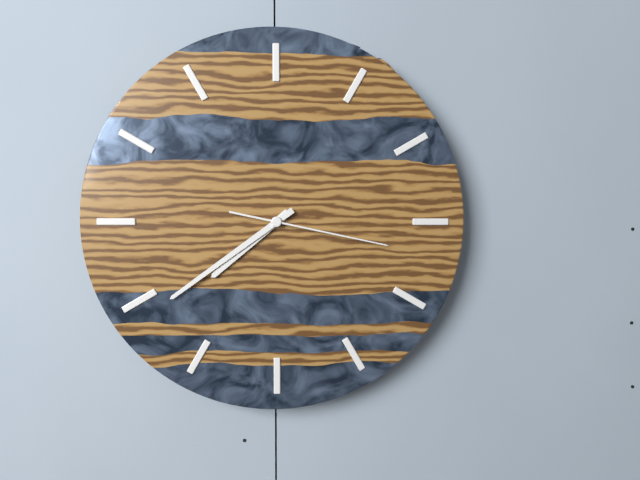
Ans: 7:39:17
